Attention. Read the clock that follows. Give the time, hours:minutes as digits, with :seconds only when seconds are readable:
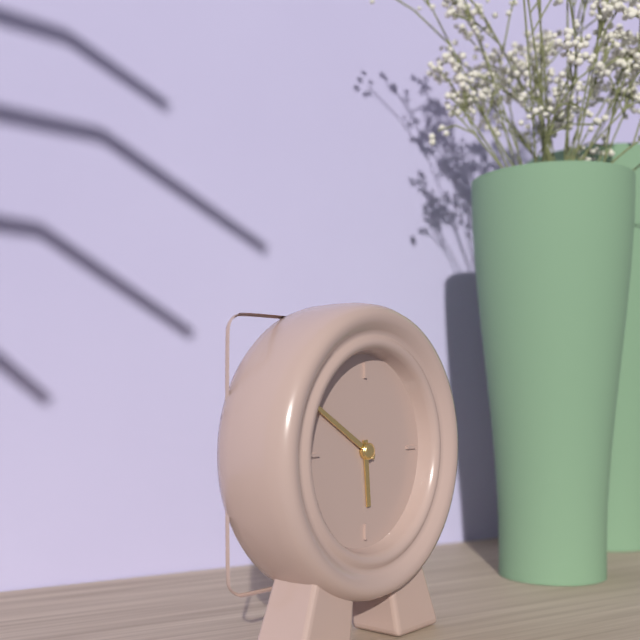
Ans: 5:50
